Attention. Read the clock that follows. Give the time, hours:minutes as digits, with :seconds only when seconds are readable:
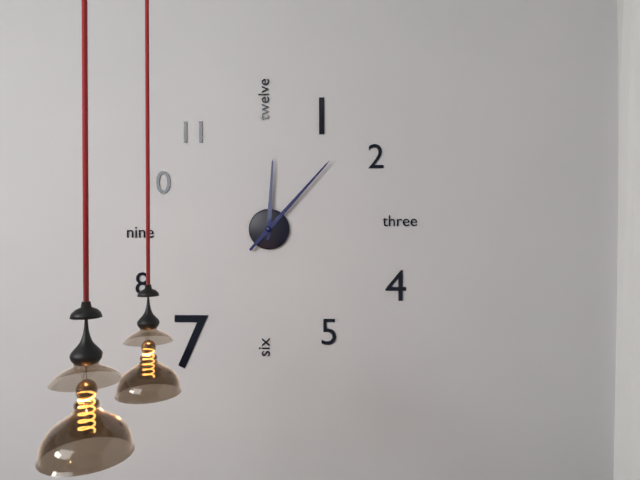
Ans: 12:07
